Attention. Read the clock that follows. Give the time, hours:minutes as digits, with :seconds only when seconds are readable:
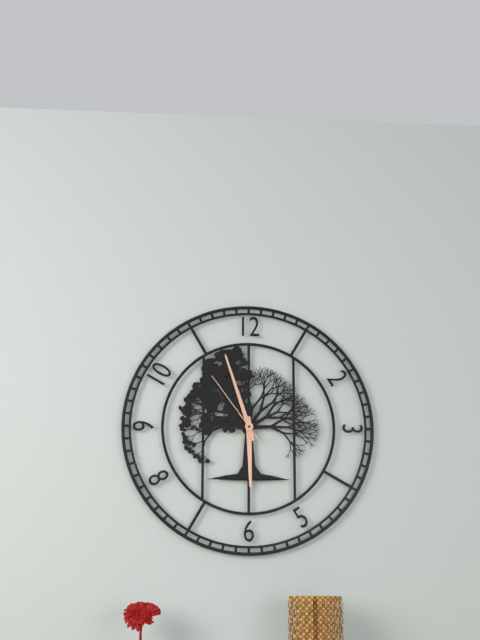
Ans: 5:57:54
